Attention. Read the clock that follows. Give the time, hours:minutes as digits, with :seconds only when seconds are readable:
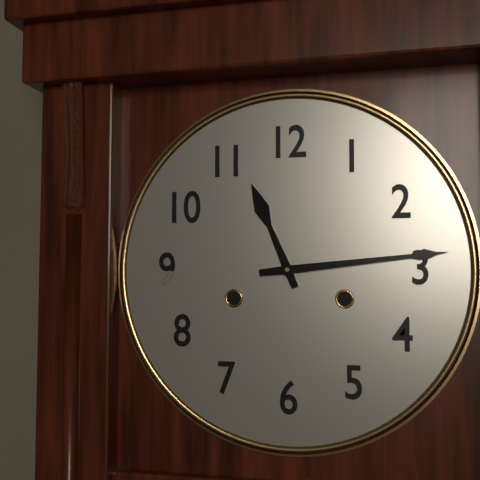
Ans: 11:14
